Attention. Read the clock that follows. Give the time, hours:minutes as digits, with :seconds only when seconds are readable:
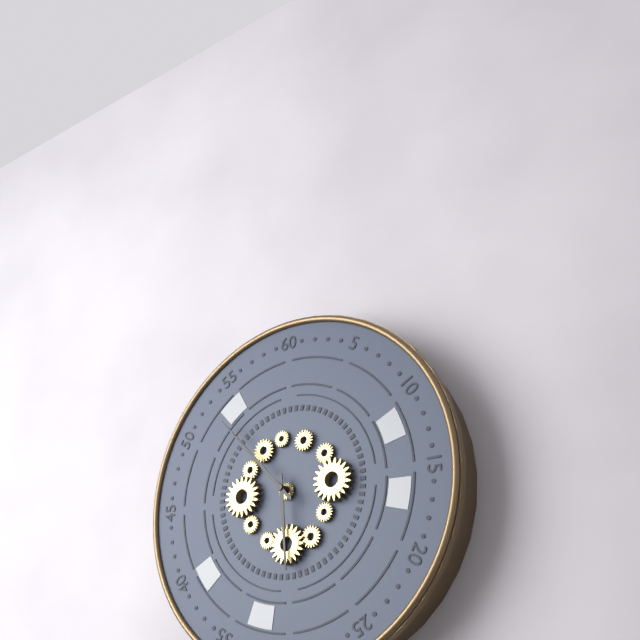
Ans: 5:53
